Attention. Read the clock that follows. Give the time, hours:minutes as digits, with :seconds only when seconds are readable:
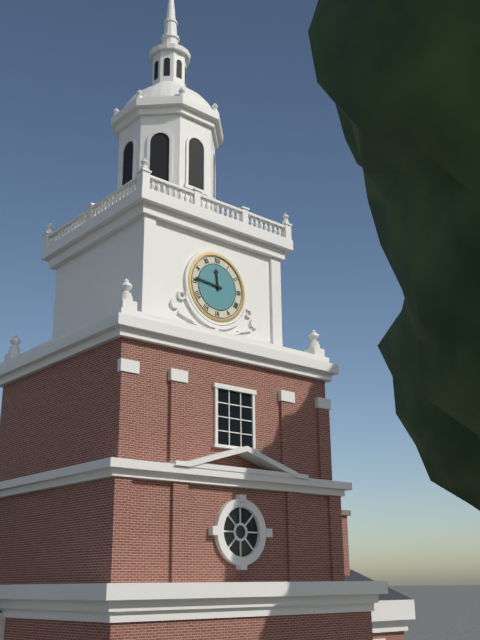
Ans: 11:46
